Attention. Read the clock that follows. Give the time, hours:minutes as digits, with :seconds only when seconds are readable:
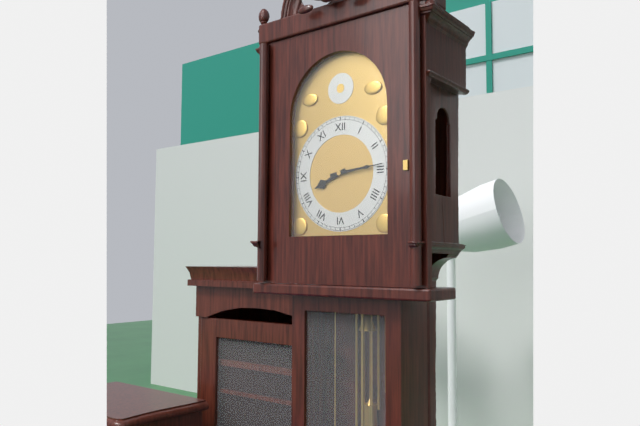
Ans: 8:14
